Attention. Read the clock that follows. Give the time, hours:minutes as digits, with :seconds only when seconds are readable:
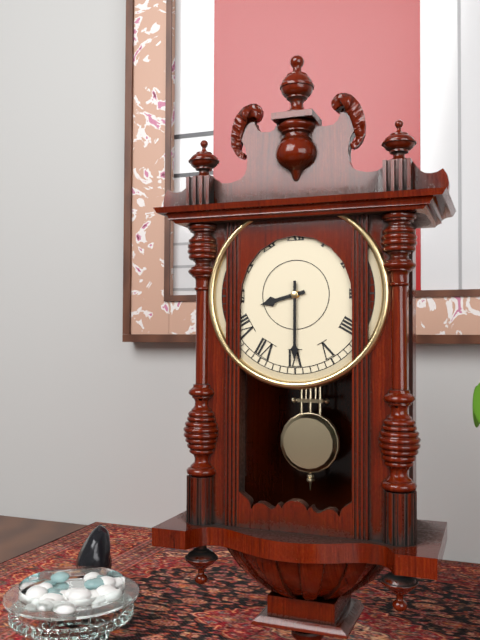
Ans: 8:30
